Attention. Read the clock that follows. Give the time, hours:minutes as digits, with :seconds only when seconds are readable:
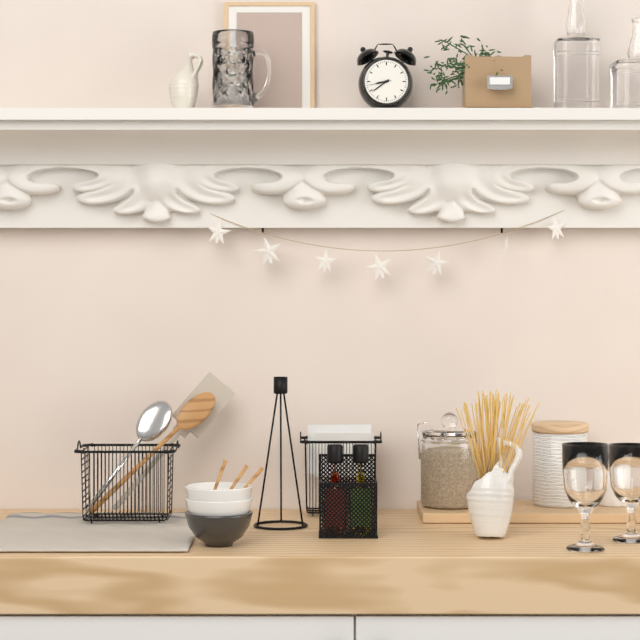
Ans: 8:39
